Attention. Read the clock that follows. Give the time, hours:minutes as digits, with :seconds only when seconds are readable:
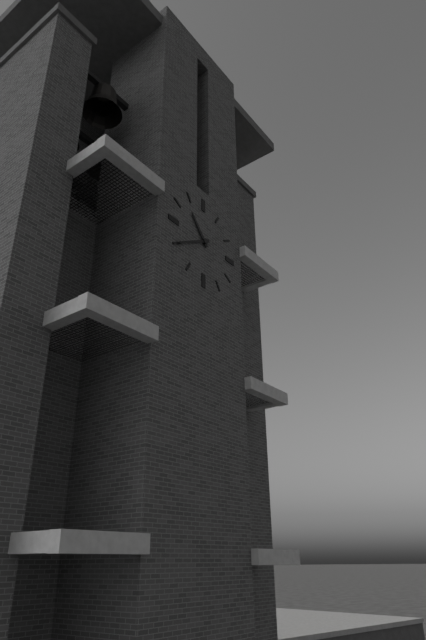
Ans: 10:40
